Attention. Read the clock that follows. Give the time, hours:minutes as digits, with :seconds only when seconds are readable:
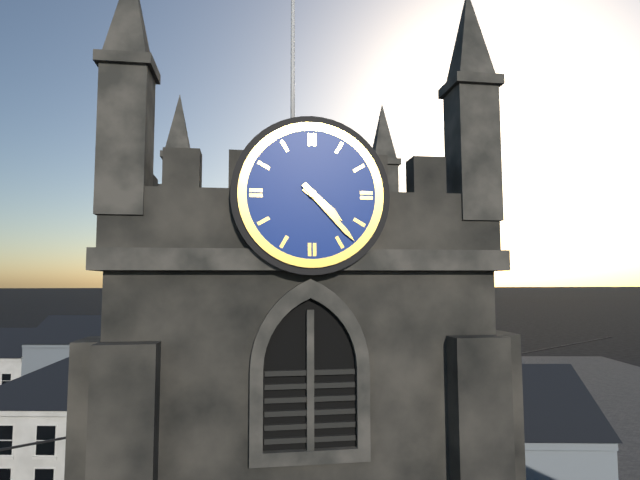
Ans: 4:23
